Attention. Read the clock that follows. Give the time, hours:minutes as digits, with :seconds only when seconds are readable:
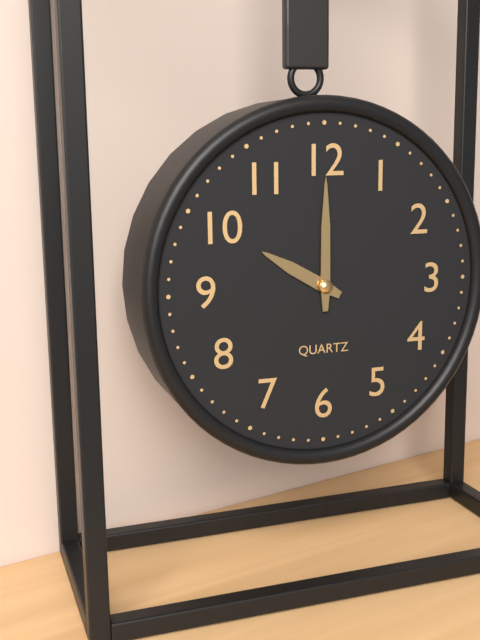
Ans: 10:00
